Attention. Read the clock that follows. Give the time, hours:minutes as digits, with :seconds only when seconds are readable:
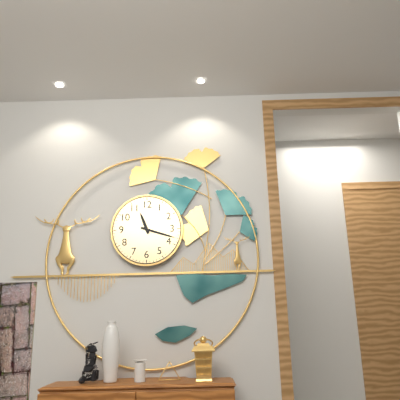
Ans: 11:18
